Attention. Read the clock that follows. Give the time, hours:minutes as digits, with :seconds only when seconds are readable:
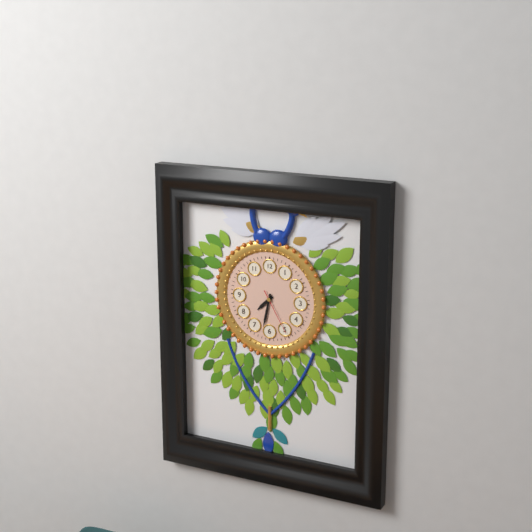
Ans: 7:32
